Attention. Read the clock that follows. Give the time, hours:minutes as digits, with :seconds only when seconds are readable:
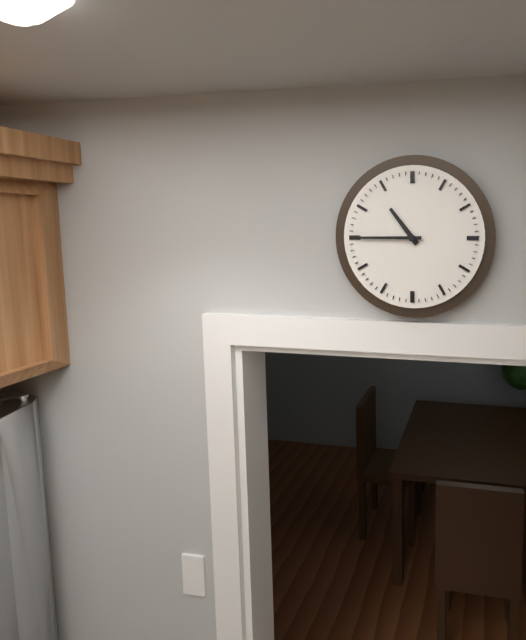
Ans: 10:45
